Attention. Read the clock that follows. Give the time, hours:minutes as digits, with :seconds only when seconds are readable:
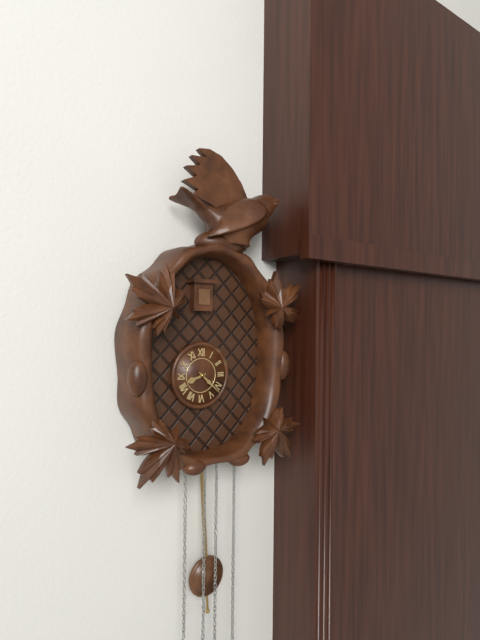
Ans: 8:22
